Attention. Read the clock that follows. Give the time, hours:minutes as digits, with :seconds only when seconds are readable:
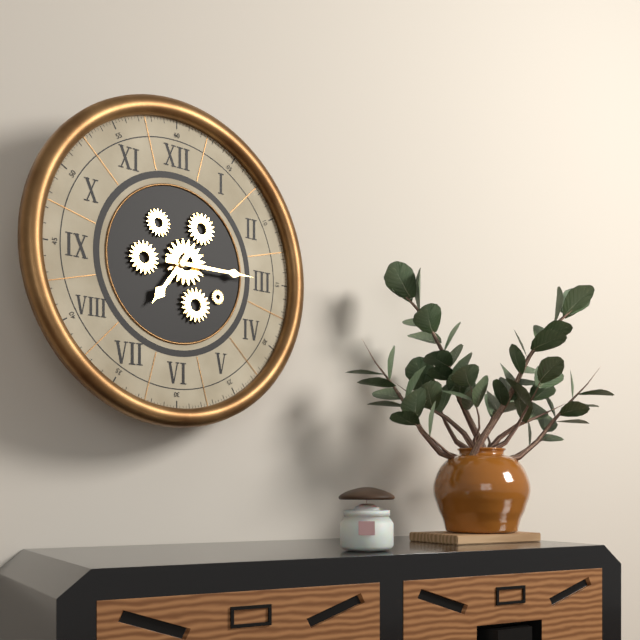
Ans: 7:15
